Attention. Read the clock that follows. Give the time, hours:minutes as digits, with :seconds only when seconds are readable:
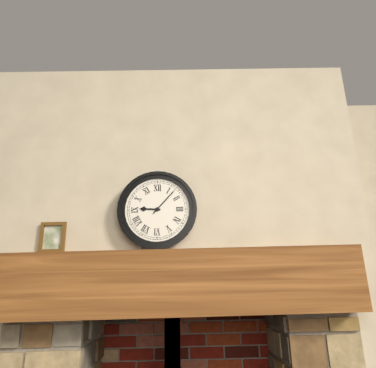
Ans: 9:07
